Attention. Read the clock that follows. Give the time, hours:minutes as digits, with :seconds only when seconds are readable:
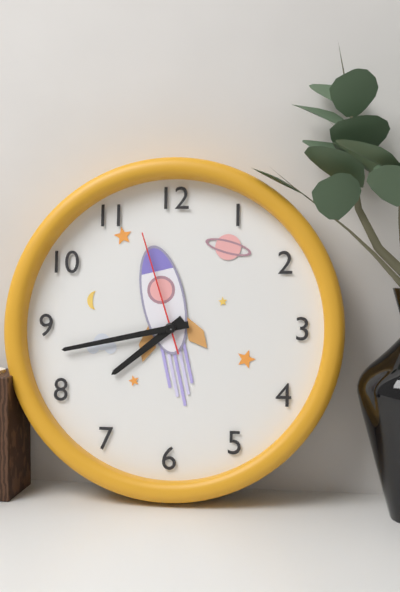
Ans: 7:43:57
